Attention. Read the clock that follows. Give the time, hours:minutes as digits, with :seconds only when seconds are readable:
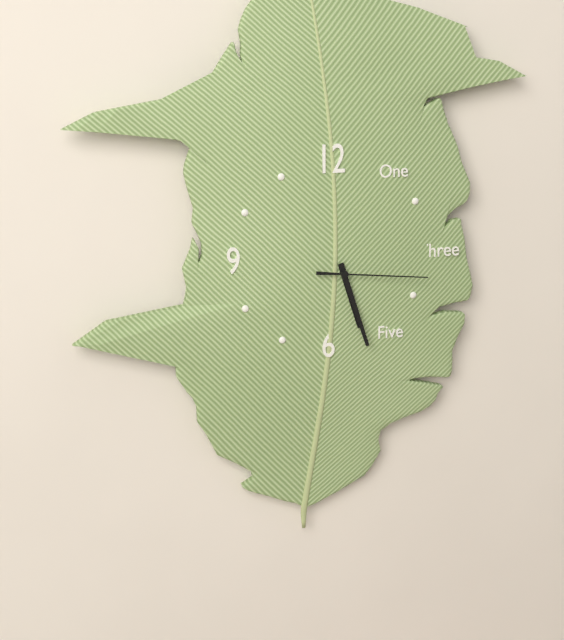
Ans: 5:27:16
